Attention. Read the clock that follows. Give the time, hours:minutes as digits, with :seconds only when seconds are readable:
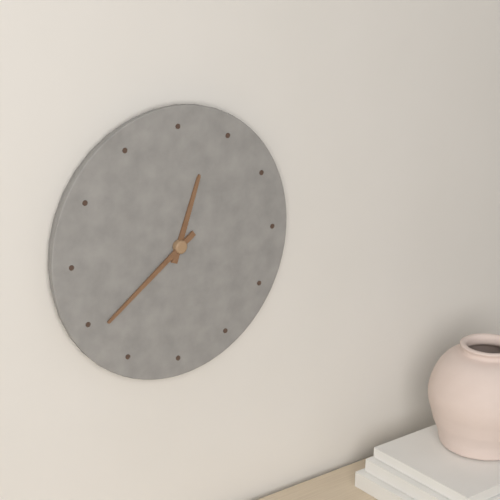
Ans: 12:39
